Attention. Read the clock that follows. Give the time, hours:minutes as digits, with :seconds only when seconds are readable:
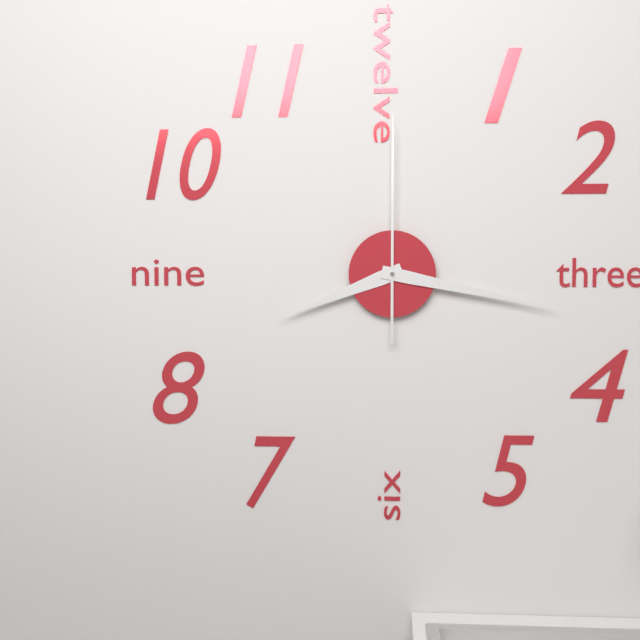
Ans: 8:17:00
